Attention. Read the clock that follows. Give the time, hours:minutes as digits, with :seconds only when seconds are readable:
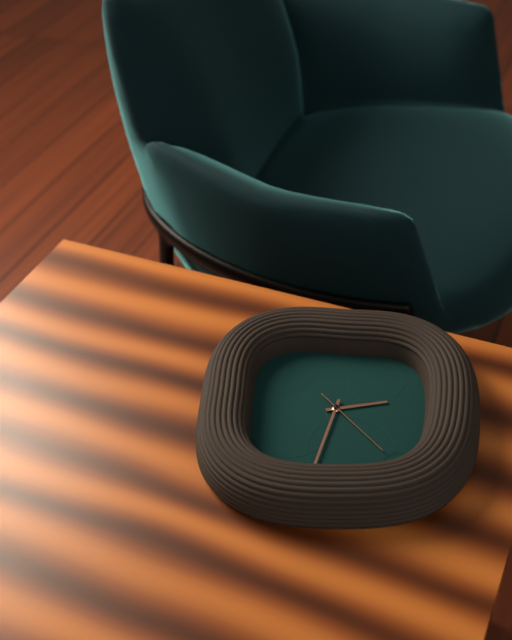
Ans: 2:32:23
